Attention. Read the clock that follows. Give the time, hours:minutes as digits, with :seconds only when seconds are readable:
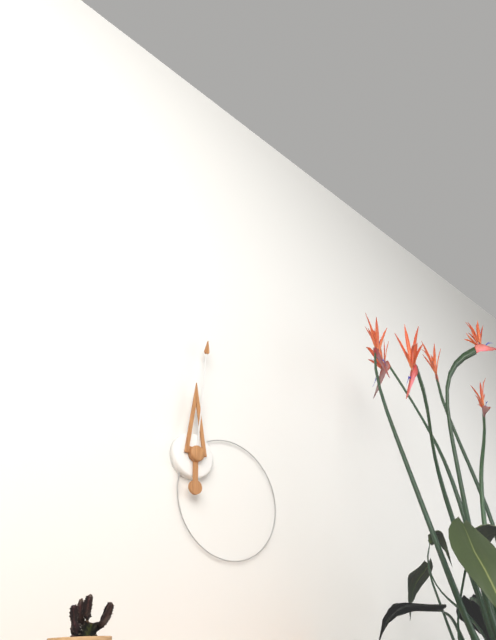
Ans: 12:01
